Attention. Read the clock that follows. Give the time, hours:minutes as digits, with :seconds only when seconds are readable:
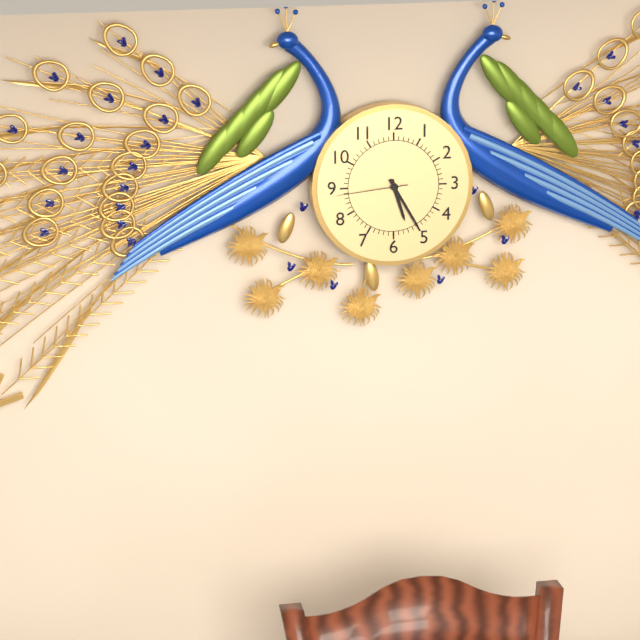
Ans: 5:25:44
